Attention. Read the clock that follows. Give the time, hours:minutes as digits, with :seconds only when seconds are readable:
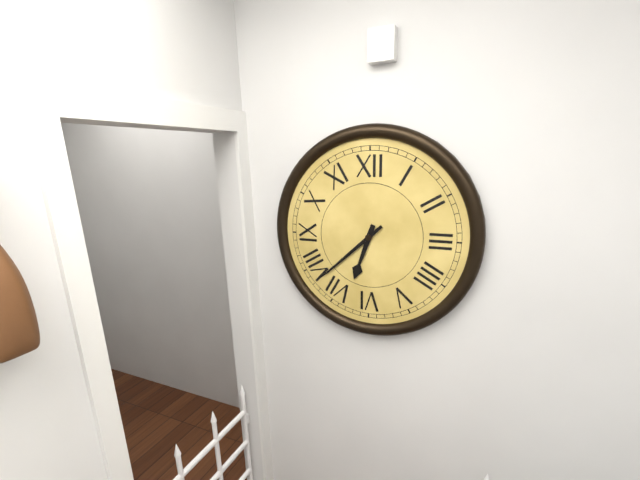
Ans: 6:38
